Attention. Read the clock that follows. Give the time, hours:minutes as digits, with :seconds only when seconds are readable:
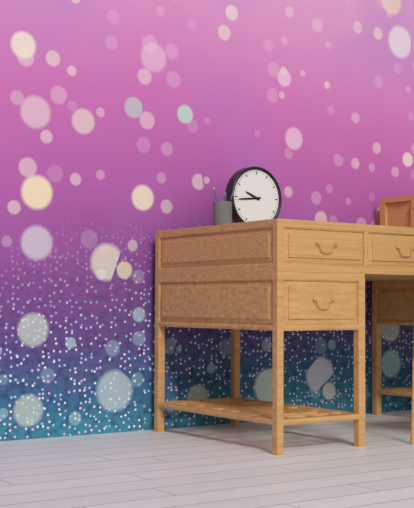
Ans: 9:44
